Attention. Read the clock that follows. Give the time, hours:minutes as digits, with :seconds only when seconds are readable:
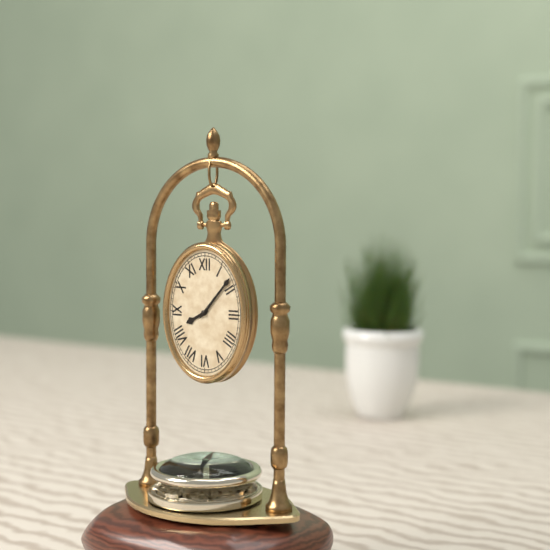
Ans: 8:07
